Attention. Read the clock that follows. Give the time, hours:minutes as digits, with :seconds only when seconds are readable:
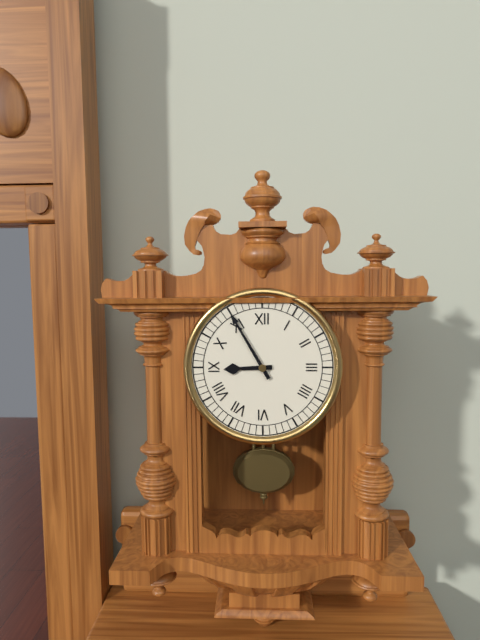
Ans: 8:55
